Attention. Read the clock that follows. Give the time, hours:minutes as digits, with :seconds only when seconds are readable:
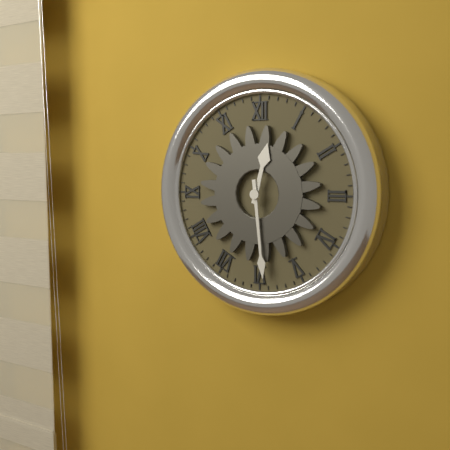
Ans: 12:29
